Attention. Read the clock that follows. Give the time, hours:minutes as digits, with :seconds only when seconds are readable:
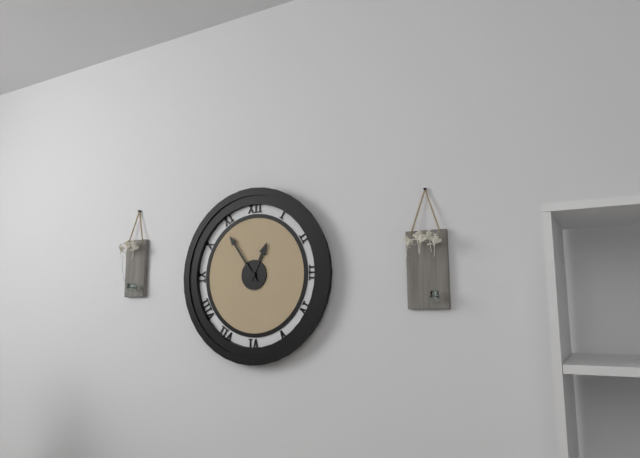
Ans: 12:54
